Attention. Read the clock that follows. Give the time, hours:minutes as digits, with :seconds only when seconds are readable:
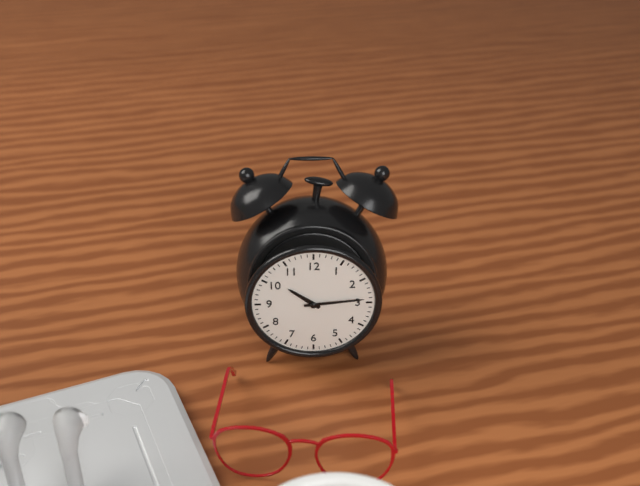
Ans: 10:14
